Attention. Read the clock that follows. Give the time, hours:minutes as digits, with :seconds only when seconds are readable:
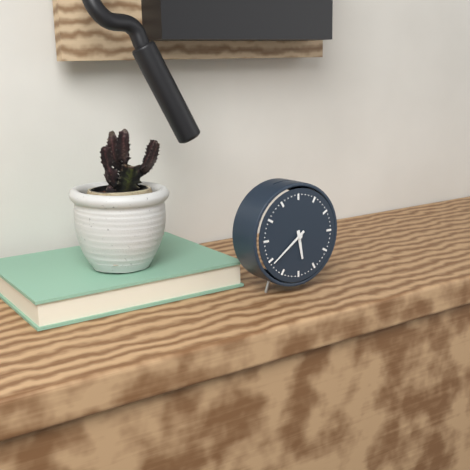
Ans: 5:39
